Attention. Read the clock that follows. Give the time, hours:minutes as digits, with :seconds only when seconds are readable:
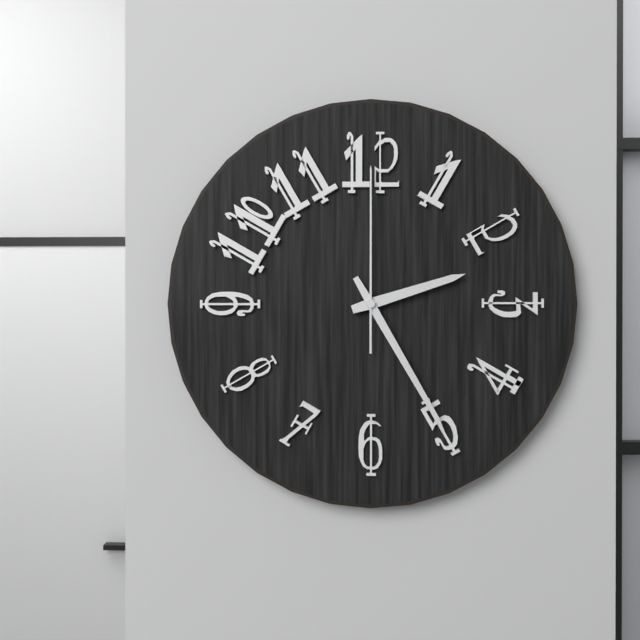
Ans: 2:25:00
